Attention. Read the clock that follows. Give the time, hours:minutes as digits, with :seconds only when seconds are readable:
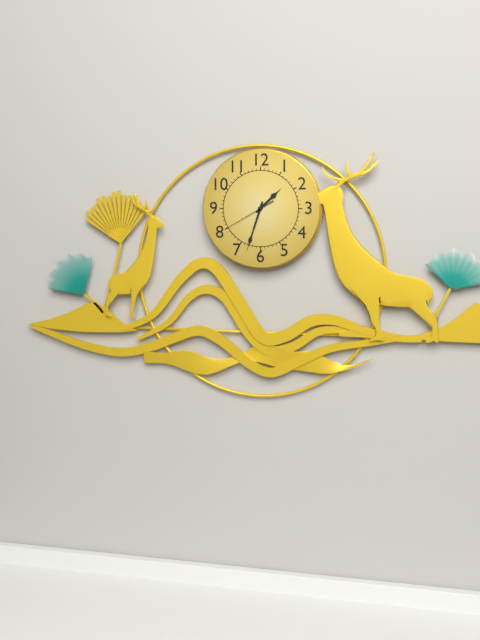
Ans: 1:33:40
